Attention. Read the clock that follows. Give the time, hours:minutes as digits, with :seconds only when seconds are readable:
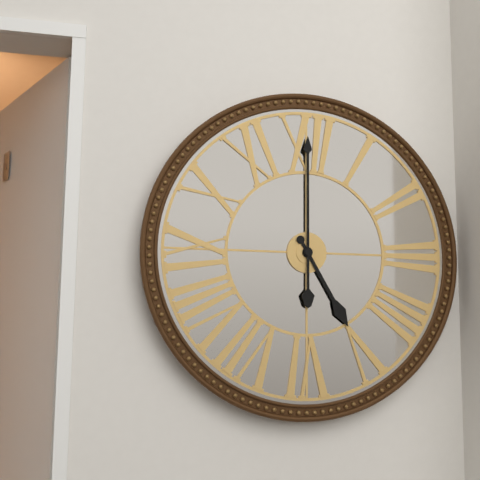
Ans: 5:00
